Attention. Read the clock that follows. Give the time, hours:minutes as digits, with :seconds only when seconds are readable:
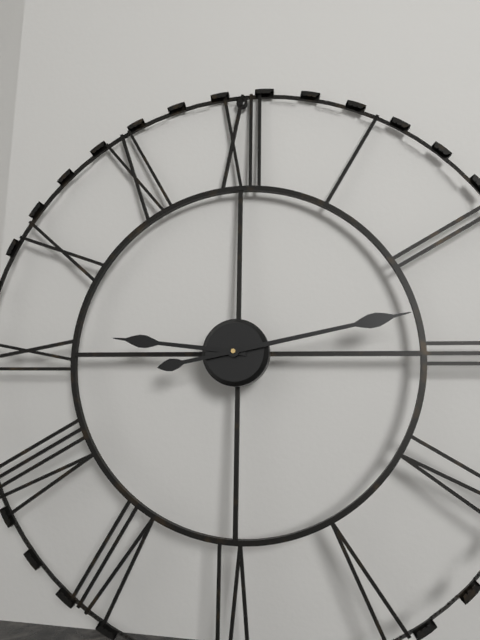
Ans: 9:13
